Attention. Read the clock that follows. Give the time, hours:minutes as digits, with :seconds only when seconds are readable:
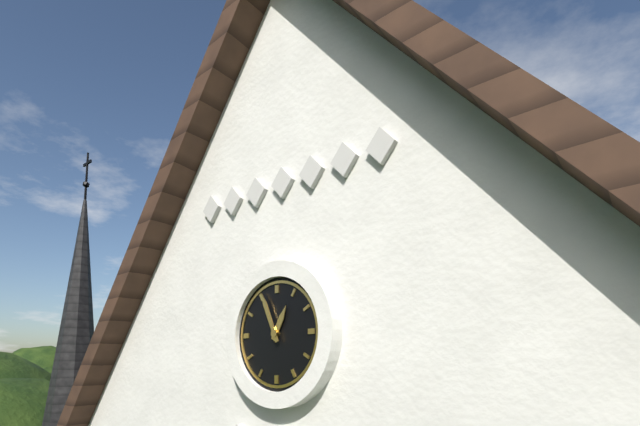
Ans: 12:56
